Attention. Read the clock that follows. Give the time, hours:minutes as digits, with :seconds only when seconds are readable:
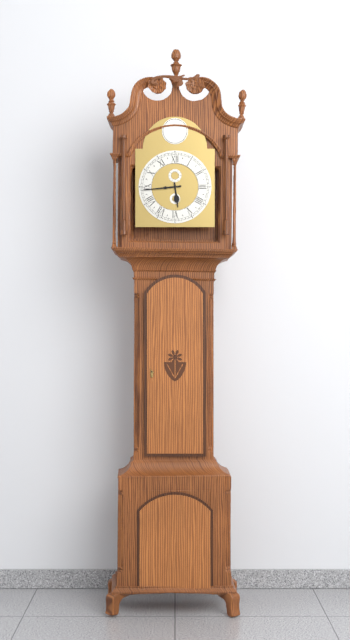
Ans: 5:44
